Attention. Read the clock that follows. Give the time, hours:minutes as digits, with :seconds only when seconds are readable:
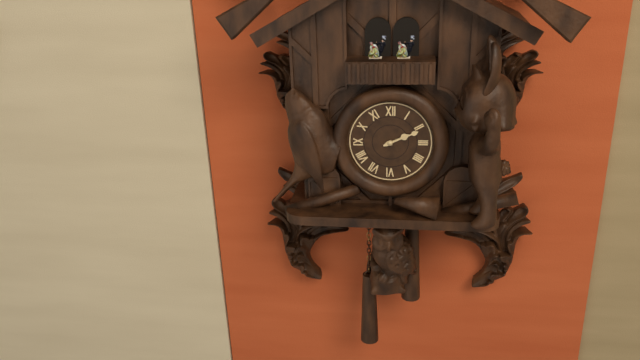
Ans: 2:11
